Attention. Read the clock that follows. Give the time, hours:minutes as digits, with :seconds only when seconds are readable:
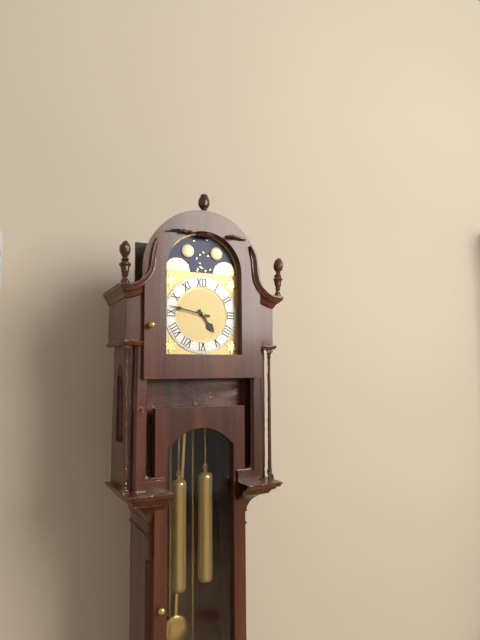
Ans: 4:47
